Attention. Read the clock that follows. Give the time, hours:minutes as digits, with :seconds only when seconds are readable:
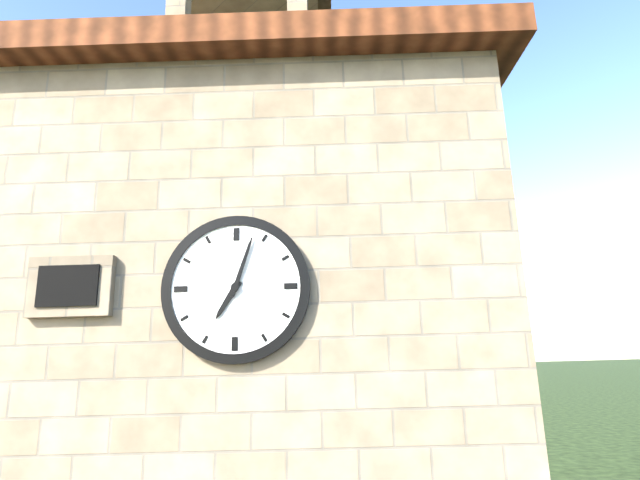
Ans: 7:03
